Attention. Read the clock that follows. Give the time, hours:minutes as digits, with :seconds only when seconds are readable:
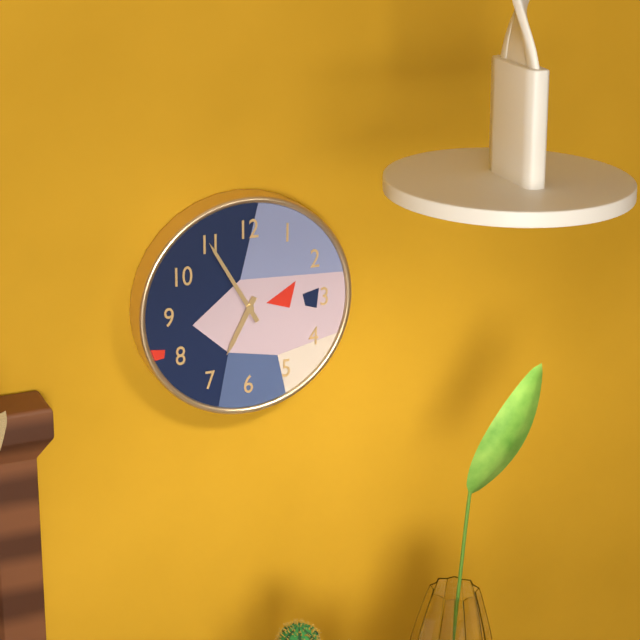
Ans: 6:55
